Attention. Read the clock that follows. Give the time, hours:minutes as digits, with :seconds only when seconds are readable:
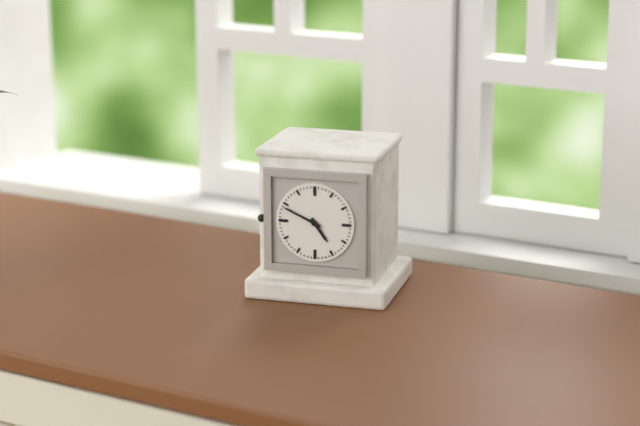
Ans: 4:49
